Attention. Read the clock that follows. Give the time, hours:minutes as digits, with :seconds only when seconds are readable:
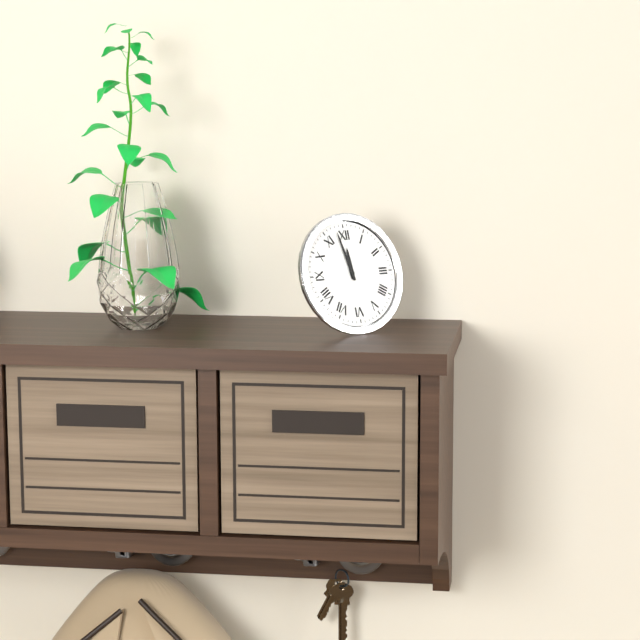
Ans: 11:58
